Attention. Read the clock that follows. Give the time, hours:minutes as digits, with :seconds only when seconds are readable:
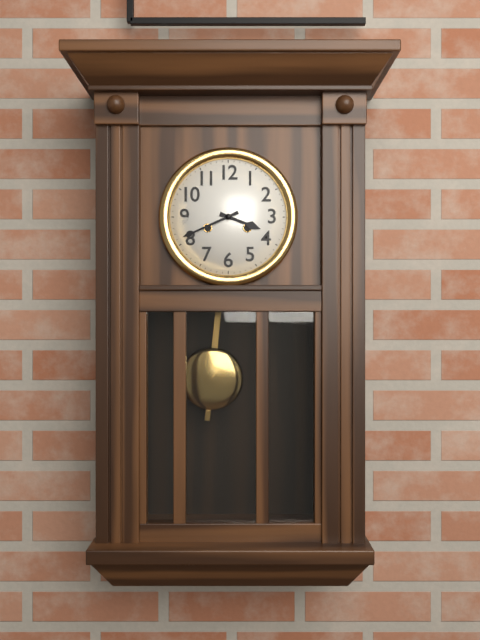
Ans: 3:41
